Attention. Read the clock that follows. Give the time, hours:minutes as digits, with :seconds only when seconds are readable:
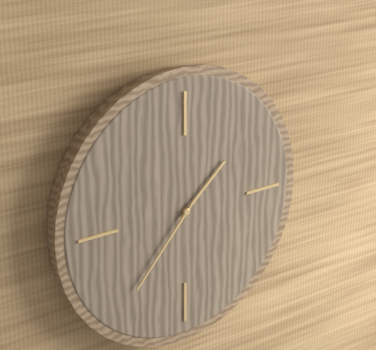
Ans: 1:37
